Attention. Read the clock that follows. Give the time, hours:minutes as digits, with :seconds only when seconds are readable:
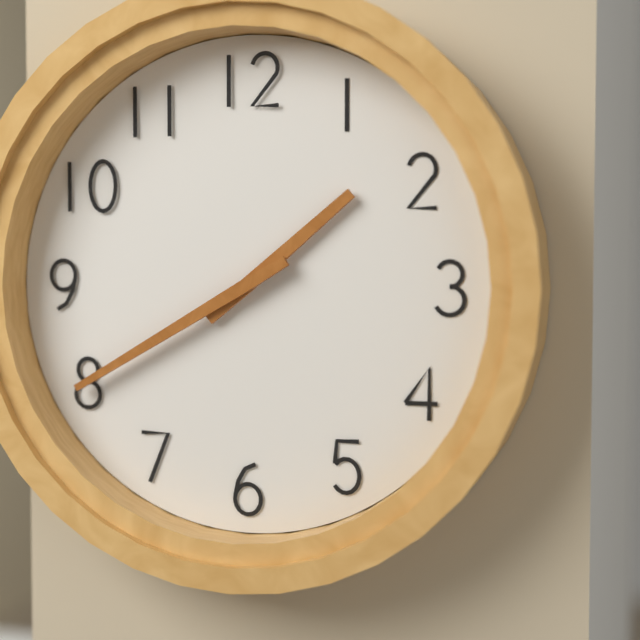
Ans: 1:40
